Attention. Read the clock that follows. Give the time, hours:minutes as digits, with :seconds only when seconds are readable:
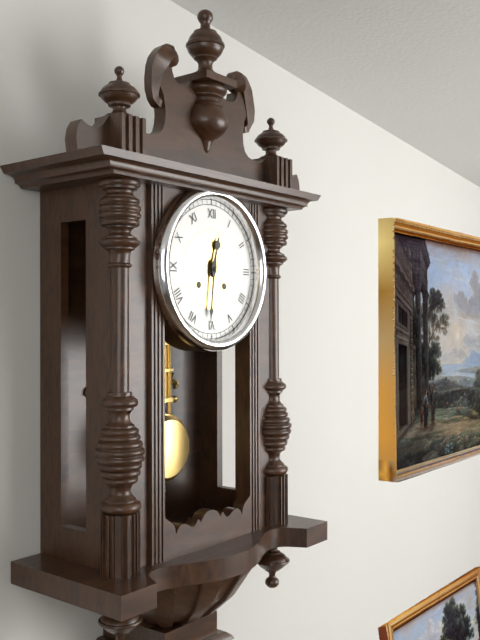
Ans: 12:31
